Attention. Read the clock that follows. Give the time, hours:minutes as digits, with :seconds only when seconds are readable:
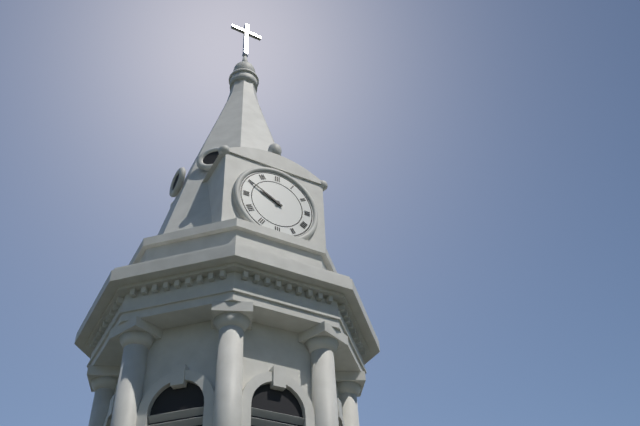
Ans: 9:50
